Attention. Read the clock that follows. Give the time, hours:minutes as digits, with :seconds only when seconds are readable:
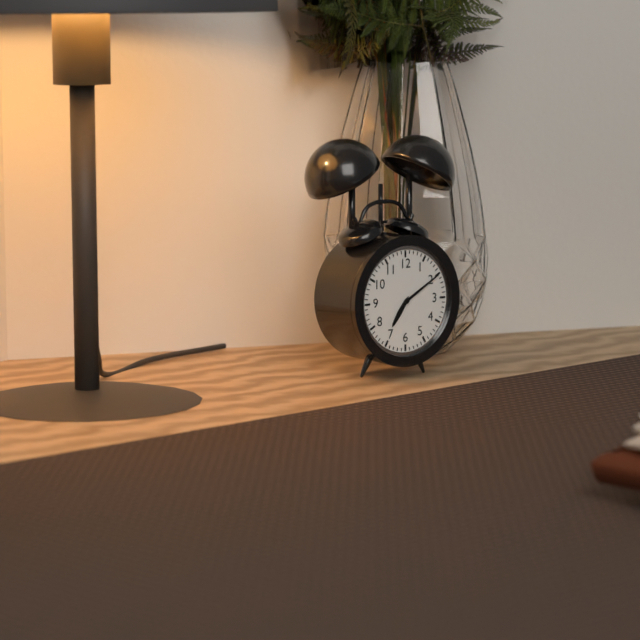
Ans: 7:10
